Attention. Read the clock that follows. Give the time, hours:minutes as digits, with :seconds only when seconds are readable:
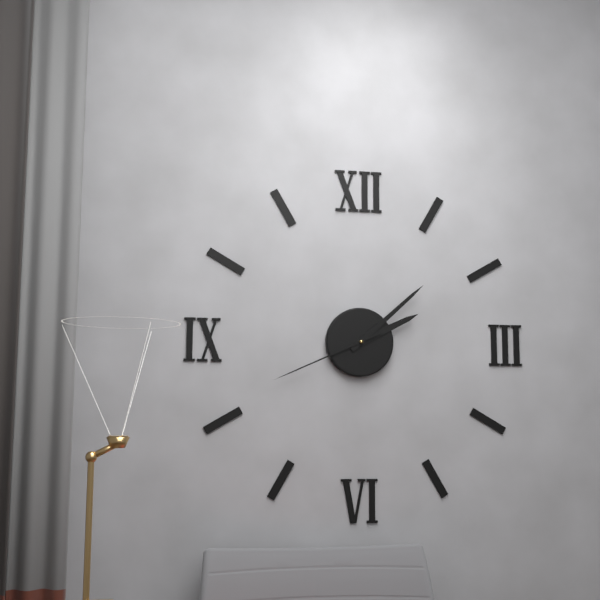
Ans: 2:08:41
